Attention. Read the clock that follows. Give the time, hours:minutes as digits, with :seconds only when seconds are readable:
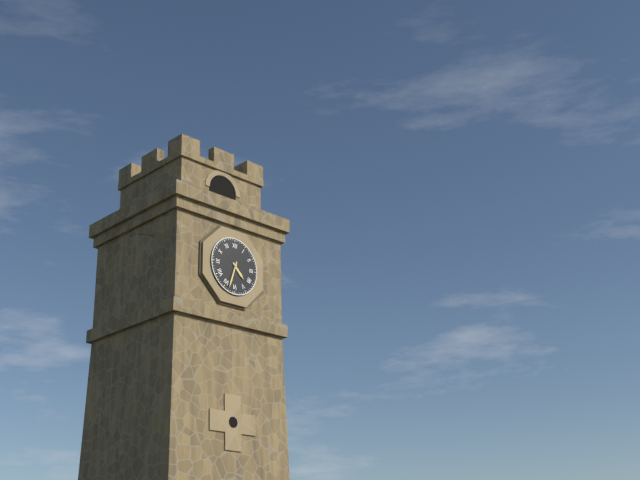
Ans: 4:33
